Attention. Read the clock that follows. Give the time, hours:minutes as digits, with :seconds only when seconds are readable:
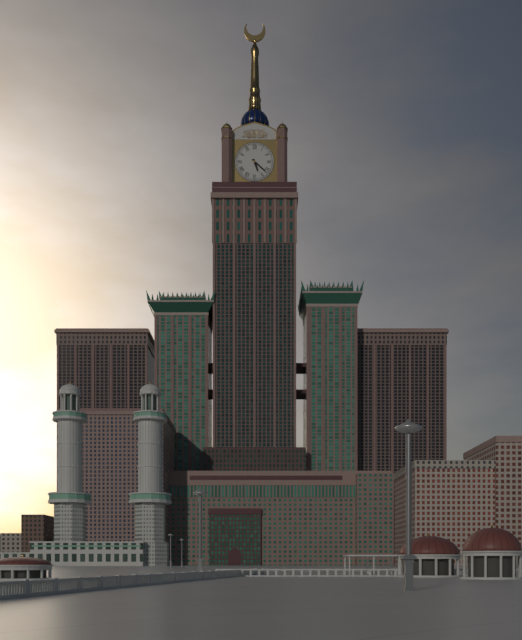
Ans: 5:22
